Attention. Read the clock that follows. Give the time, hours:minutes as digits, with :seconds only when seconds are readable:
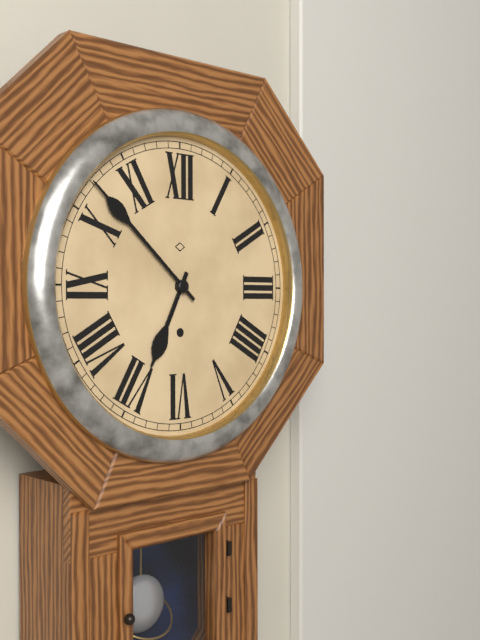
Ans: 6:52
